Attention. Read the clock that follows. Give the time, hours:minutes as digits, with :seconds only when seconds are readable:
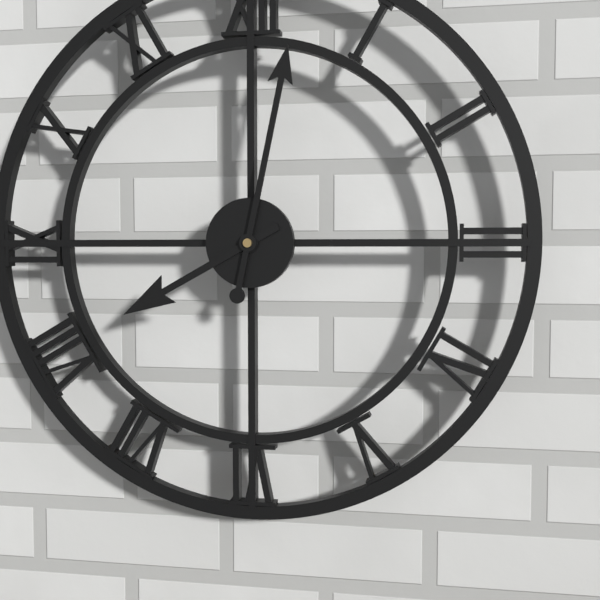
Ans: 8:02
